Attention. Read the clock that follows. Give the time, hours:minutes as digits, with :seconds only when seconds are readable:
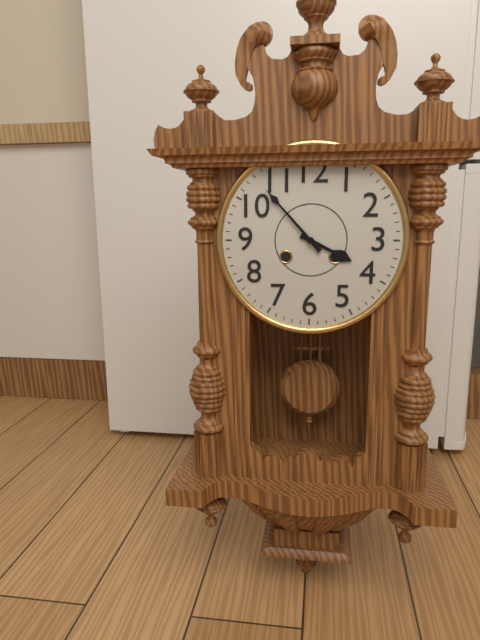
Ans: 3:53
